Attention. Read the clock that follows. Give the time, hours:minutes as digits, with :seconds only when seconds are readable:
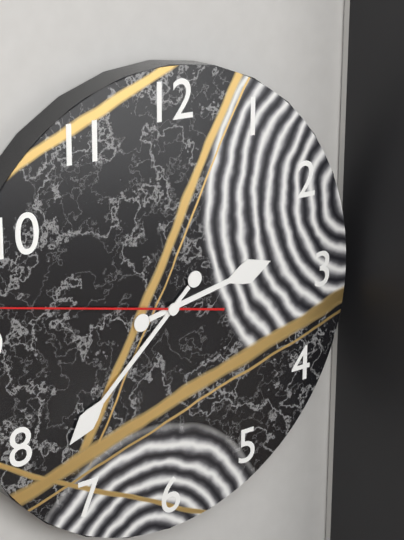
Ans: 2:38
